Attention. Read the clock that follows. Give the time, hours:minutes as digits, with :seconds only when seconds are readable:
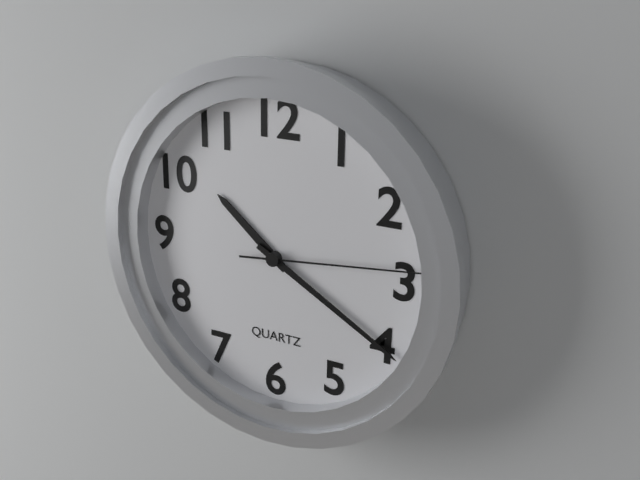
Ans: 10:20:14
